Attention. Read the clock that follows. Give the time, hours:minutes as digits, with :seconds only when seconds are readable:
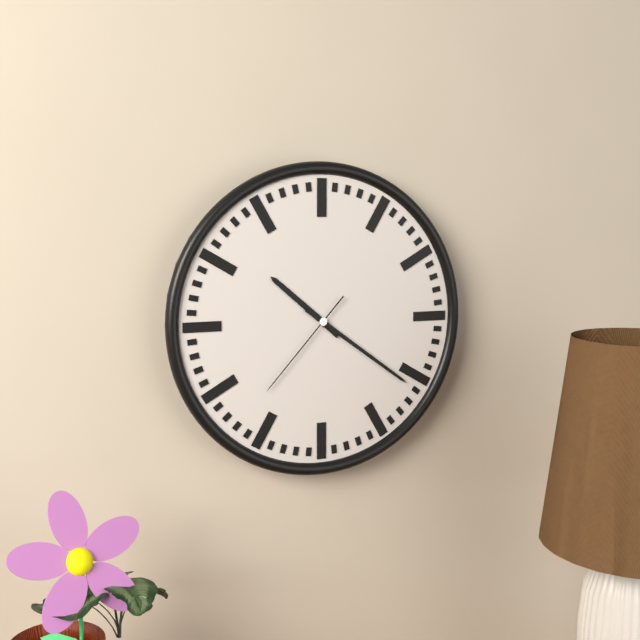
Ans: 10:21:37
